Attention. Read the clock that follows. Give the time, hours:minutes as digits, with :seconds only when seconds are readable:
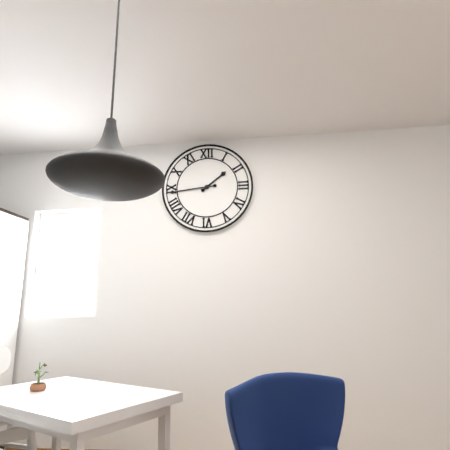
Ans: 1:44
